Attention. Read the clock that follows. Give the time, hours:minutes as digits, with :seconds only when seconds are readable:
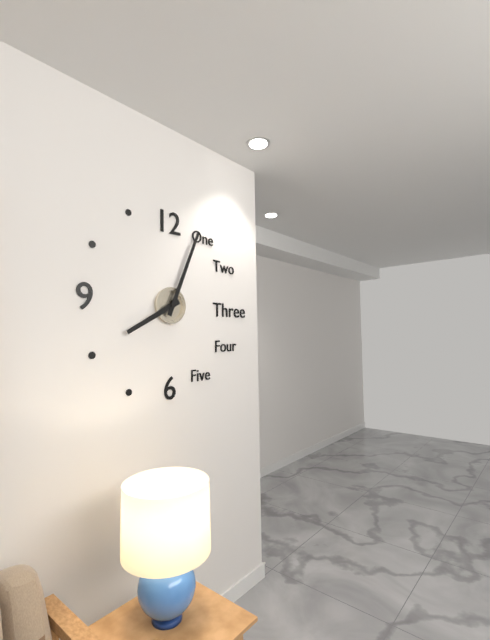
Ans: 8:04
